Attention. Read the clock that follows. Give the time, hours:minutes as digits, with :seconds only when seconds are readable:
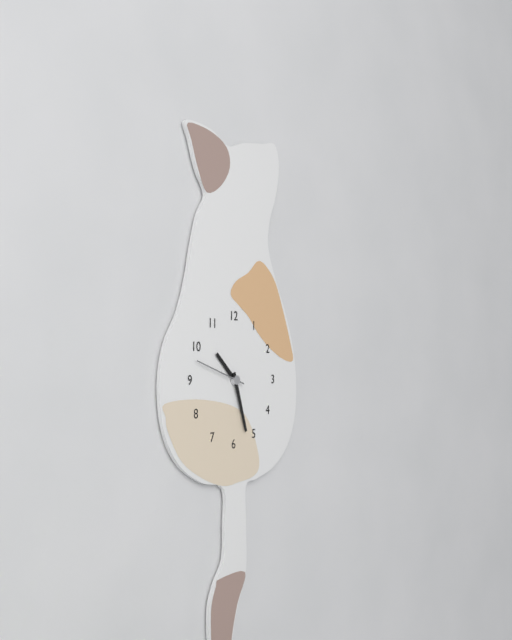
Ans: 10:27
